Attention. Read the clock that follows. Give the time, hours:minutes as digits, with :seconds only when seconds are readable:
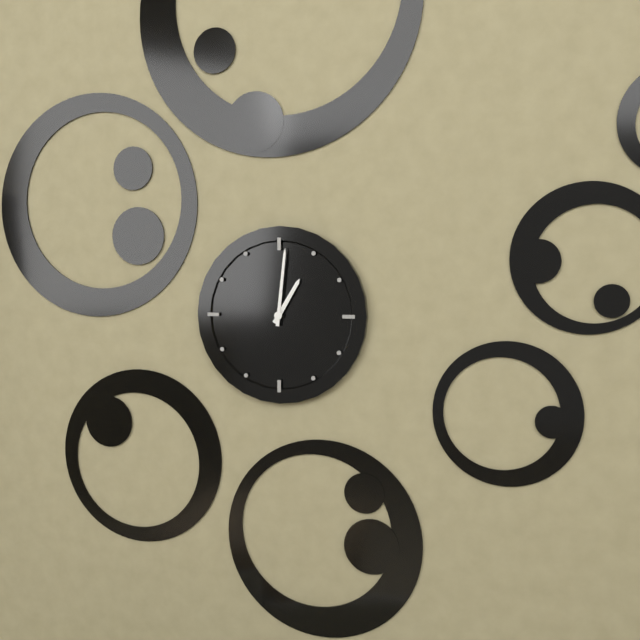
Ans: 1:01
